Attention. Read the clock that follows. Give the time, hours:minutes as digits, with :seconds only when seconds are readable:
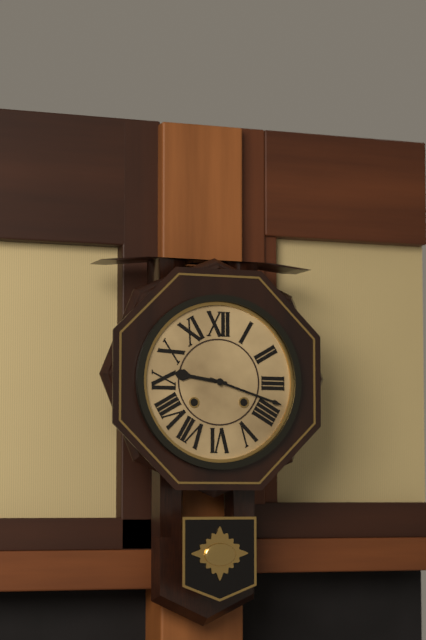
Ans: 9:18
